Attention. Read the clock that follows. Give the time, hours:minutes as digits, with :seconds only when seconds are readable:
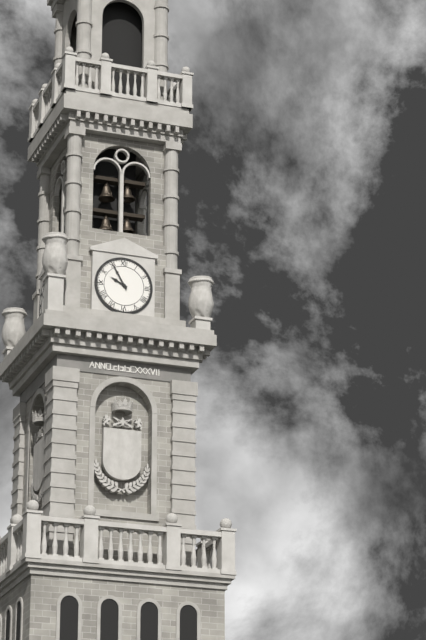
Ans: 9:55
